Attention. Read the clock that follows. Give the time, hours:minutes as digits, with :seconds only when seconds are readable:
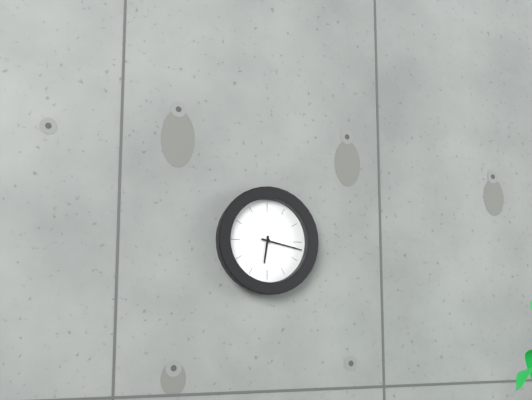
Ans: 6:17
